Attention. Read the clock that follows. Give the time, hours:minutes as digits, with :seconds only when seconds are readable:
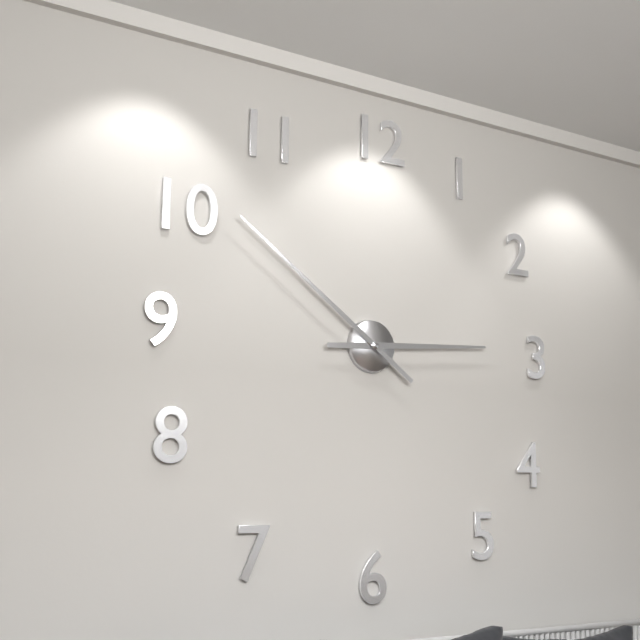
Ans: 2:51
